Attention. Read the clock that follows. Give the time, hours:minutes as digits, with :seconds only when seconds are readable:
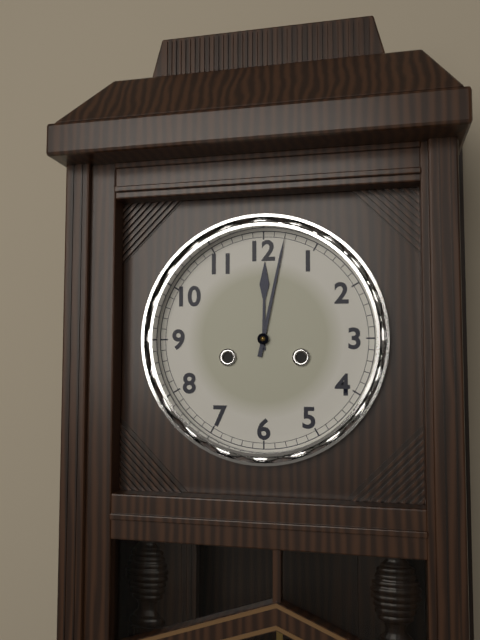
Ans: 12:02
